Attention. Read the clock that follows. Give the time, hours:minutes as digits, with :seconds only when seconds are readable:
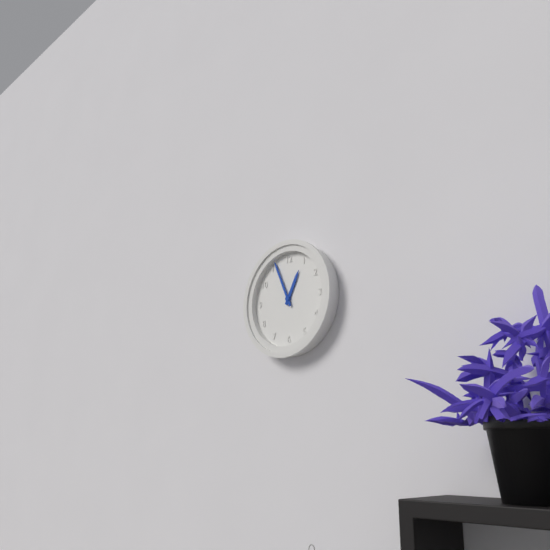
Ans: 12:56
